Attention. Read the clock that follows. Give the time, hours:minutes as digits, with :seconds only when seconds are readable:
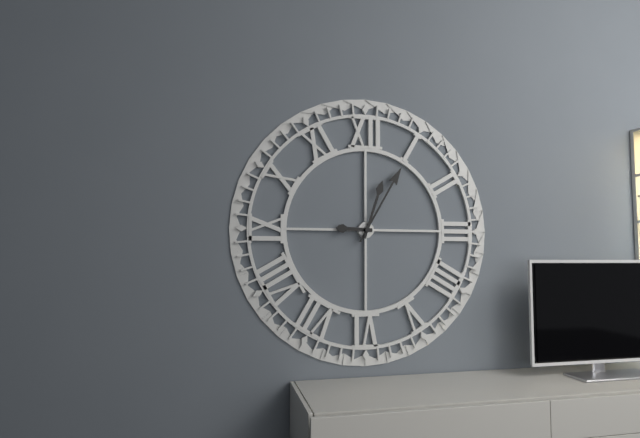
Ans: 9:05:03
